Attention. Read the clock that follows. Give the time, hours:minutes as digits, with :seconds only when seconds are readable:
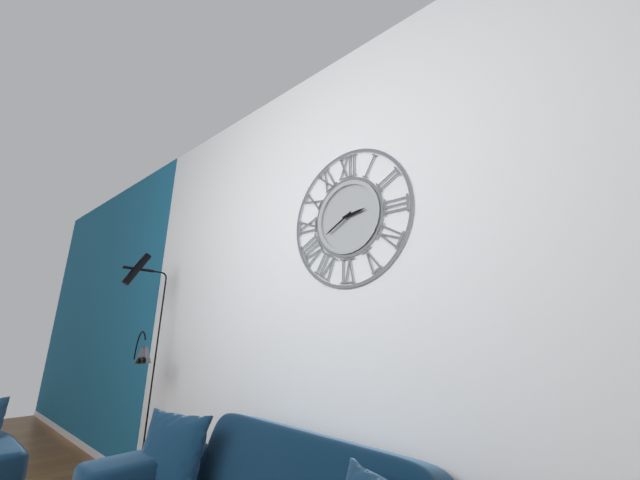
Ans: 2:40
